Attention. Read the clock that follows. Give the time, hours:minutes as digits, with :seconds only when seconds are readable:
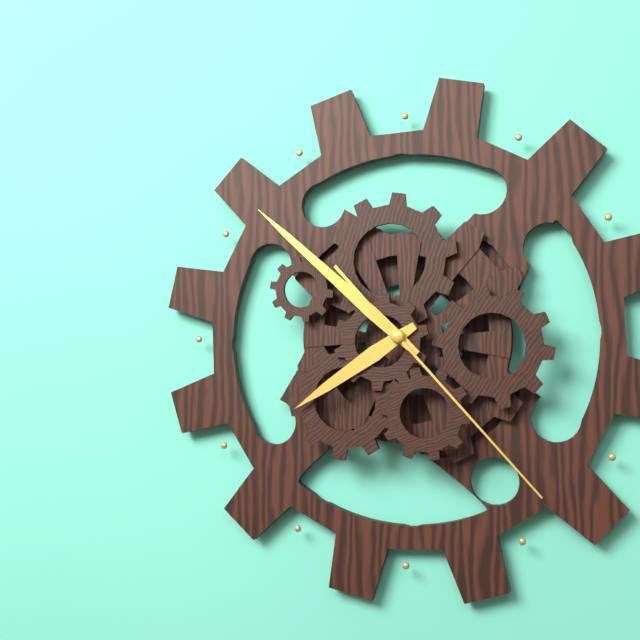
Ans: 7:52:23
